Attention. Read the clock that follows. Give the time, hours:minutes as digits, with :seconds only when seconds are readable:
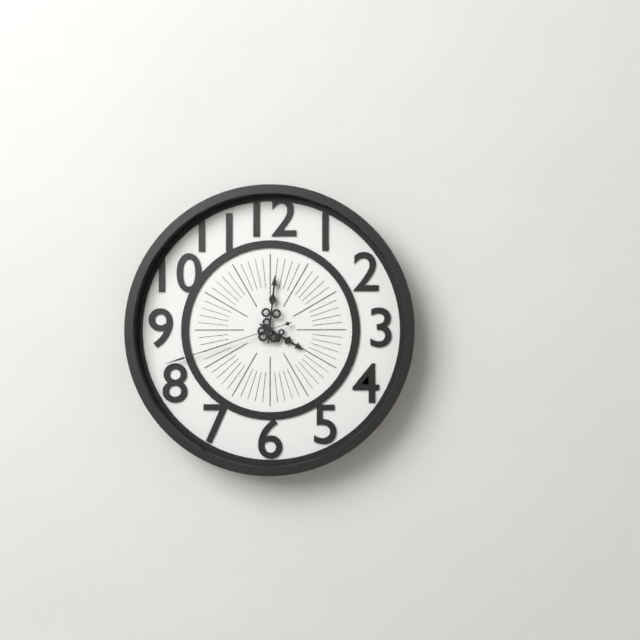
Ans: 4:01:42
